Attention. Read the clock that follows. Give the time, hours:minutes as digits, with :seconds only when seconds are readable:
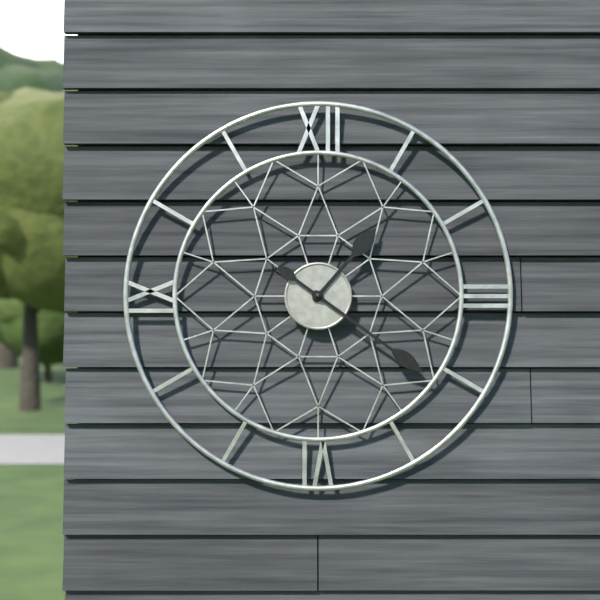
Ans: 1:21
